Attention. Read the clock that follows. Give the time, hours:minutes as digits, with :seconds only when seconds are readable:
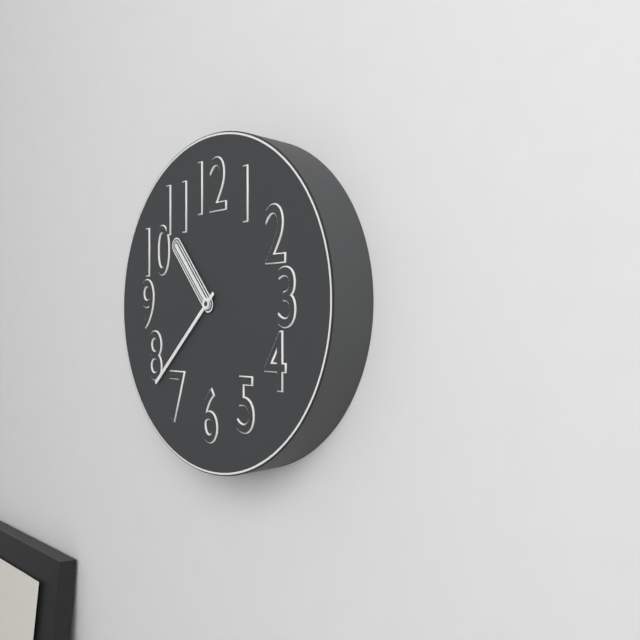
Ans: 10:38
